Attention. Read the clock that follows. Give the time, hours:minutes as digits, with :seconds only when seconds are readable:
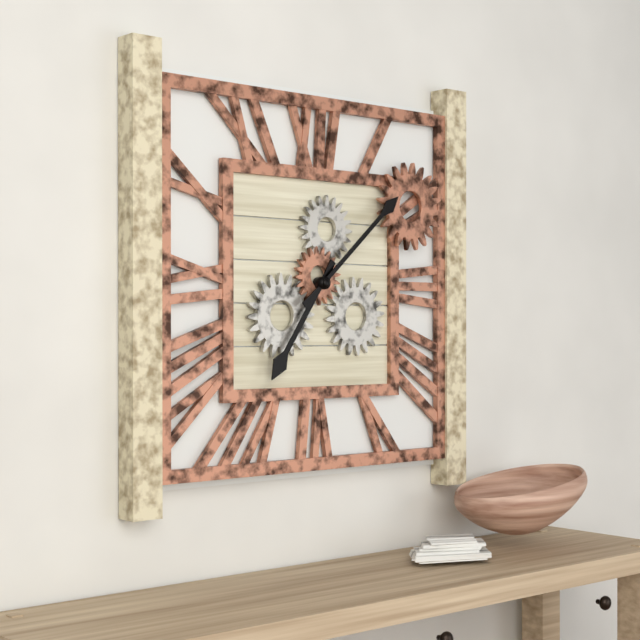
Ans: 7:08
